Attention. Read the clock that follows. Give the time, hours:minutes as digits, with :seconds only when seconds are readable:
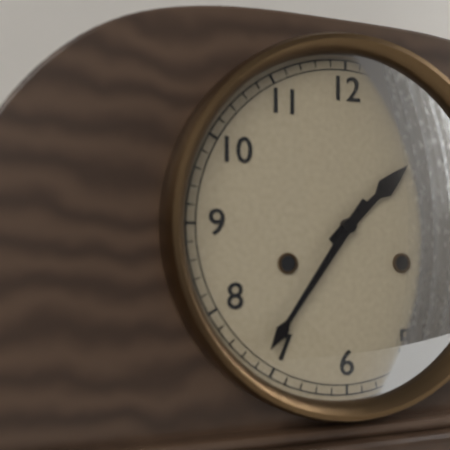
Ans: 1:36
